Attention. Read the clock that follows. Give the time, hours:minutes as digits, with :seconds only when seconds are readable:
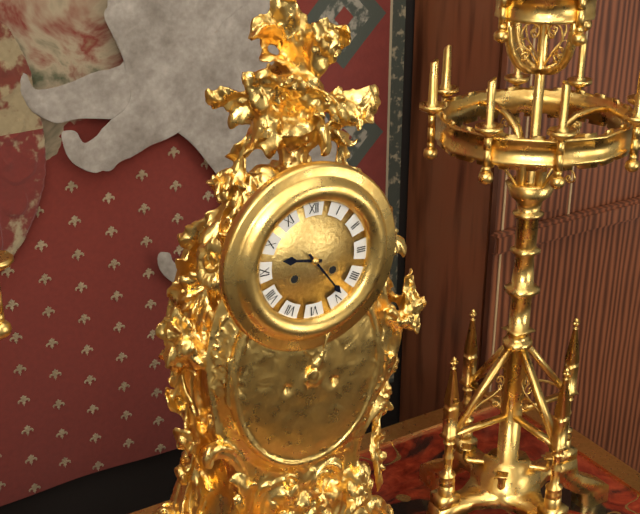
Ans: 9:24
